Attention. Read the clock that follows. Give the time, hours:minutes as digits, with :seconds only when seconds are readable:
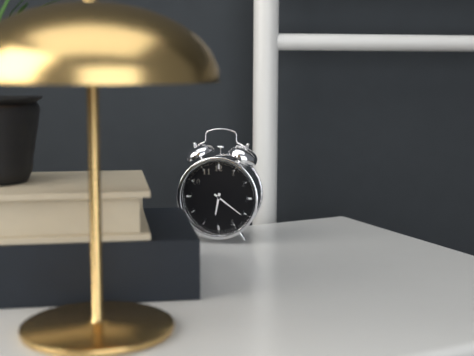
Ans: 6:21
